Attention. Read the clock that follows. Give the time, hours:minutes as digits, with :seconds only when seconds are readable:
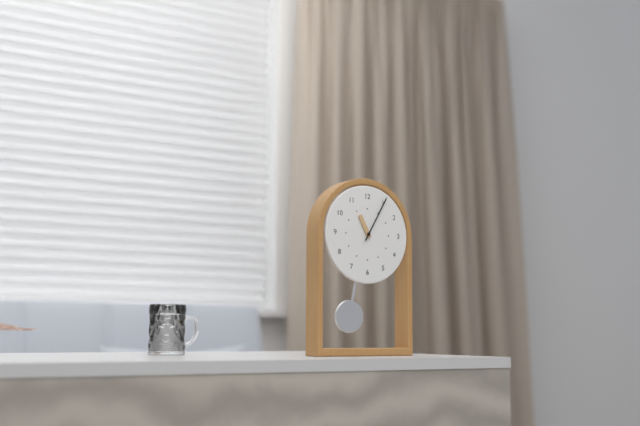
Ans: 11:05
